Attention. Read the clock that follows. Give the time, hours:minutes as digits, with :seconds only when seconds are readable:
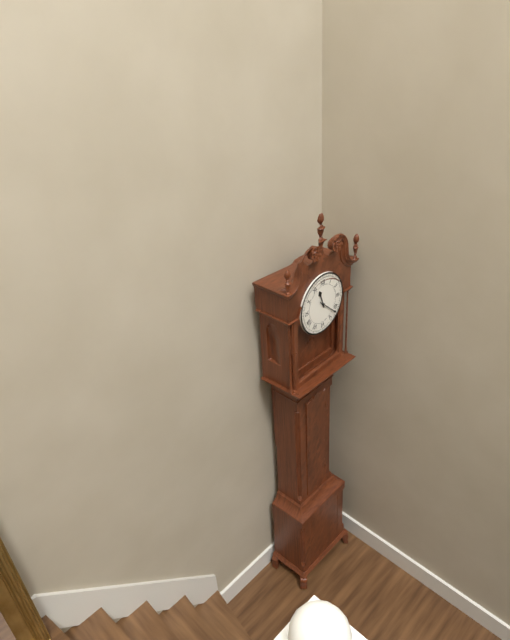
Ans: 11:22
